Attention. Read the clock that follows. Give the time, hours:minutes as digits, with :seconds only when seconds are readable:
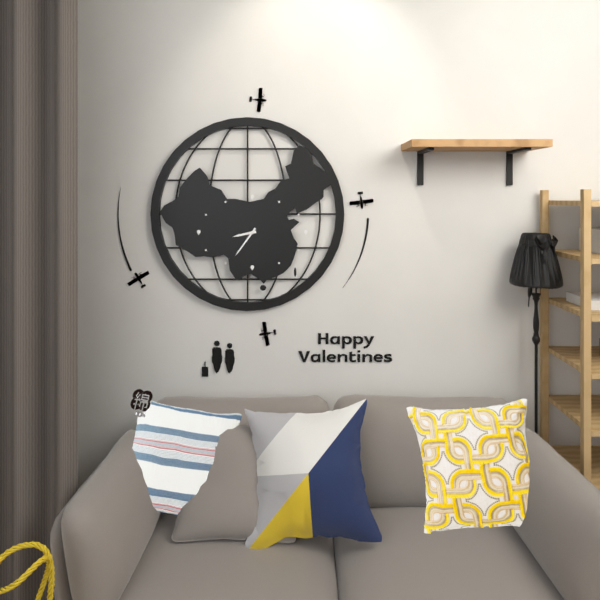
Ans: 8:36
